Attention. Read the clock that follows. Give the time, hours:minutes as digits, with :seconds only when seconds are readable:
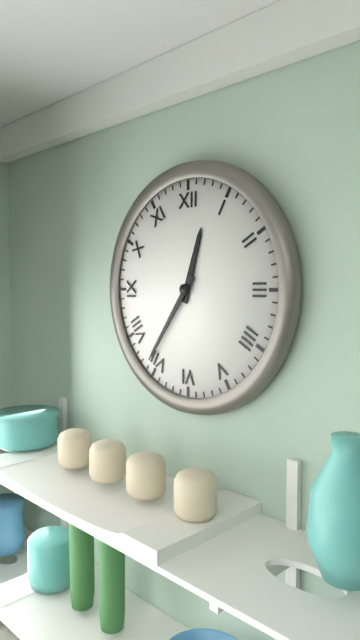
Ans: 12:36
